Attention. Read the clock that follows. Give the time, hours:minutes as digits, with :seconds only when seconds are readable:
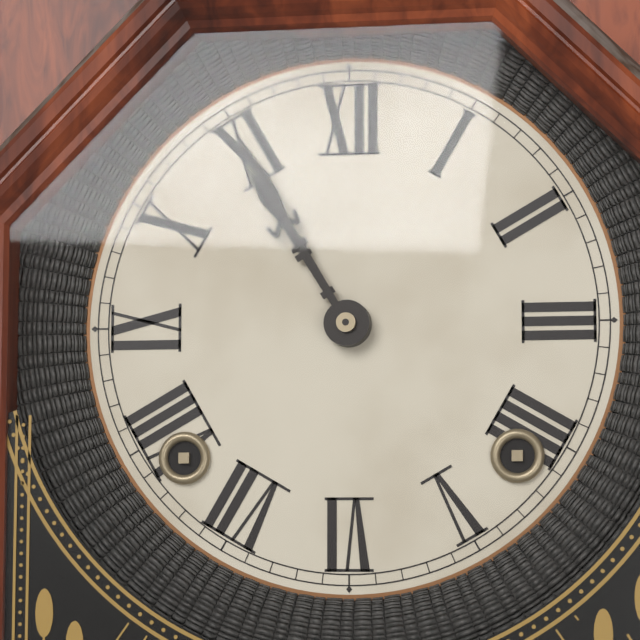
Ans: 10:55
